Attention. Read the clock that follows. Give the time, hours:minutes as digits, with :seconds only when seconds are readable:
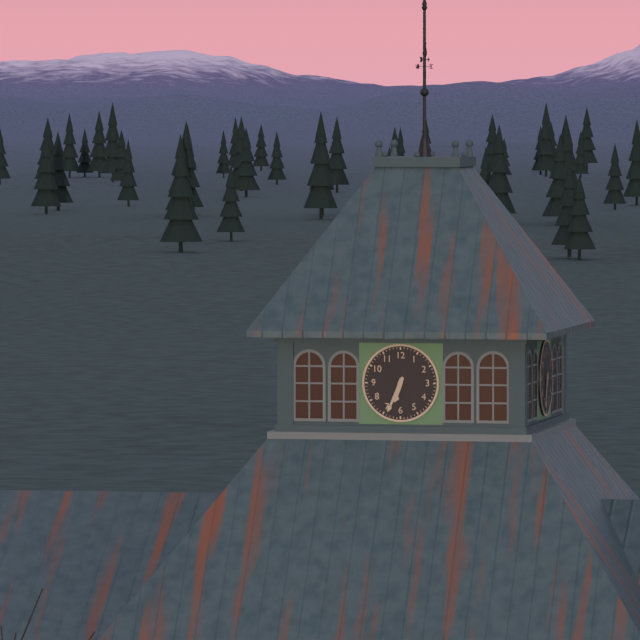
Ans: 6:34
